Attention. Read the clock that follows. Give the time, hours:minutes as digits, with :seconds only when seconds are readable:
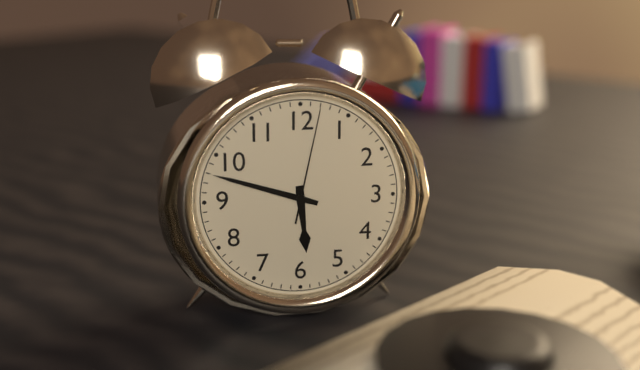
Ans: 5:48:02
